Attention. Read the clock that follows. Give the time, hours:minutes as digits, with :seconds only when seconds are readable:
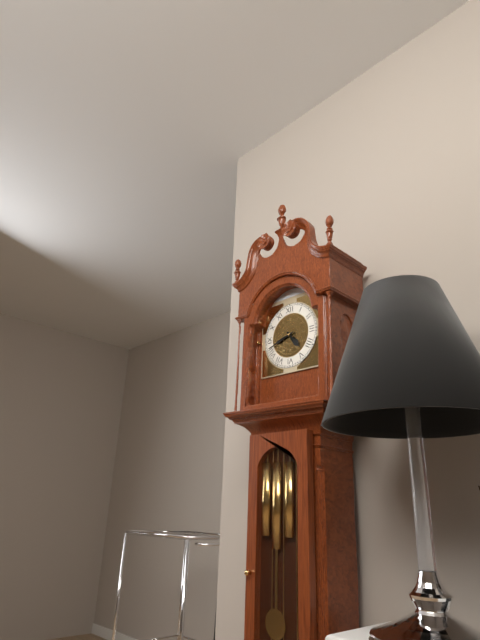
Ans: 4:42
